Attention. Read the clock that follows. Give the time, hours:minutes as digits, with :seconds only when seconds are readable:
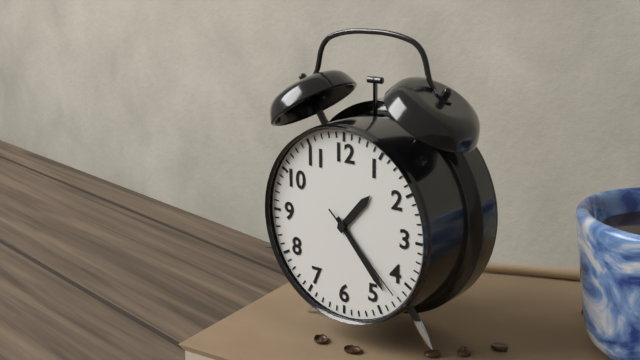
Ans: 1:23:22
